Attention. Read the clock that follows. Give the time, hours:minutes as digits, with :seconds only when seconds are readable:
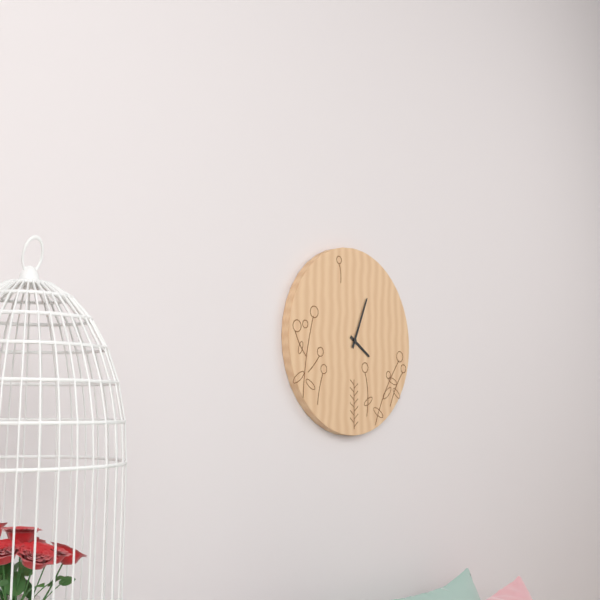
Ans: 4:04
